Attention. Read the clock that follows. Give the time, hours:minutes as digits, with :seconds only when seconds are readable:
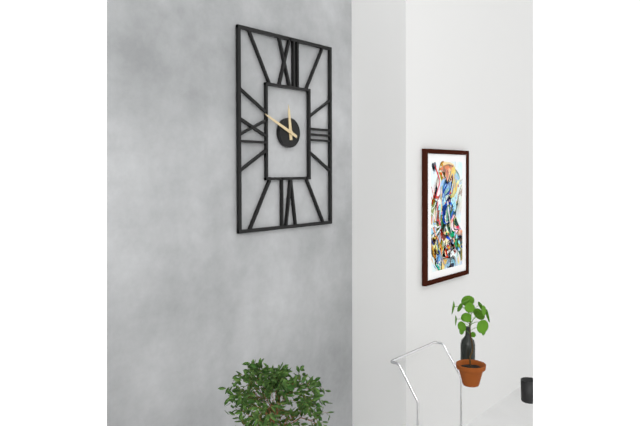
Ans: 11:49
